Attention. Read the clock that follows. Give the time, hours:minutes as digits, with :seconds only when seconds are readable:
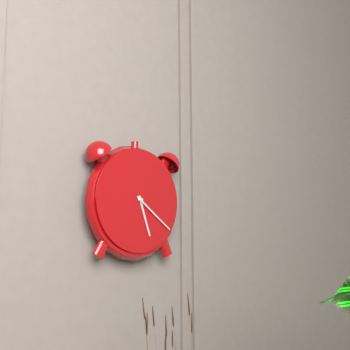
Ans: 5:21
